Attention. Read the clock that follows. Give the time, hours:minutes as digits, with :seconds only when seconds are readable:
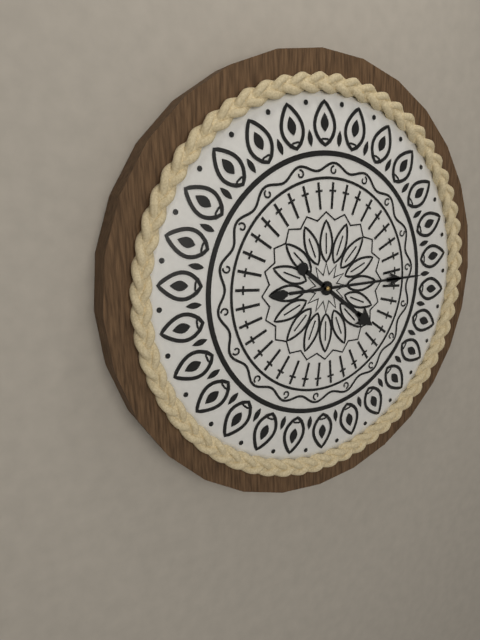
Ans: 4:15
